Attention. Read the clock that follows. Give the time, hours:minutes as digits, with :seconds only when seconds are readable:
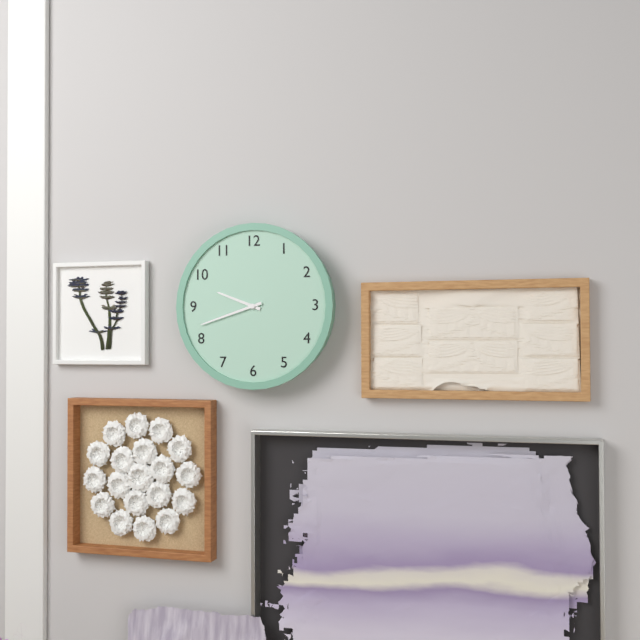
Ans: 9:42
